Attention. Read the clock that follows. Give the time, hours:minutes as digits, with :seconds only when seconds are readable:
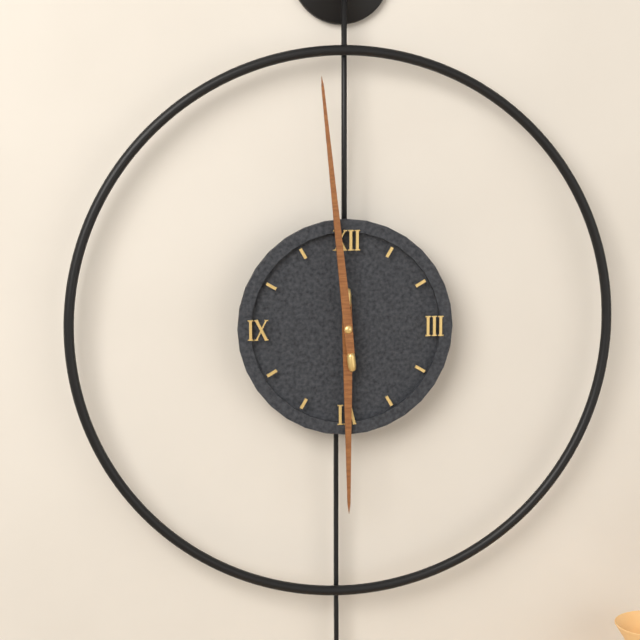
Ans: 5:59
